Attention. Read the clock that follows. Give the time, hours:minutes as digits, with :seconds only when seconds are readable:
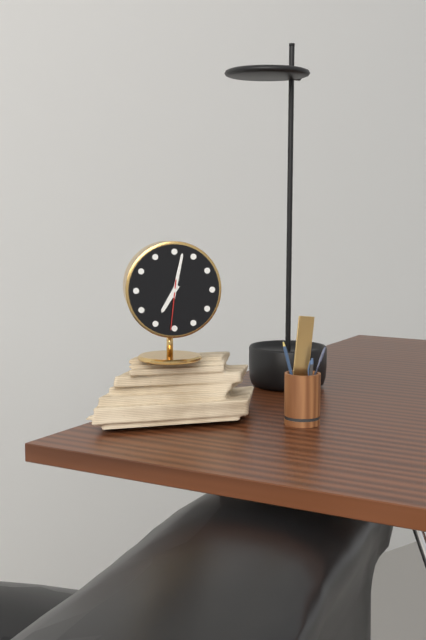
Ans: 7:02:31
